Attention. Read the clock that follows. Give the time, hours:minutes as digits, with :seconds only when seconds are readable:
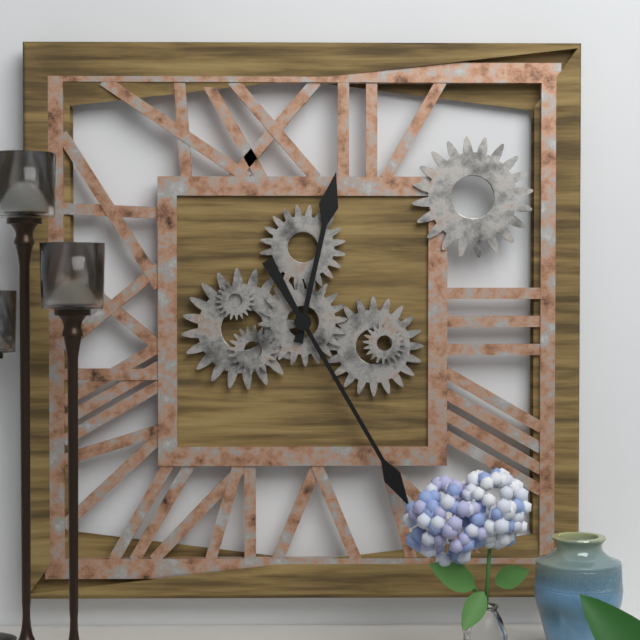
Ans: 12:25
